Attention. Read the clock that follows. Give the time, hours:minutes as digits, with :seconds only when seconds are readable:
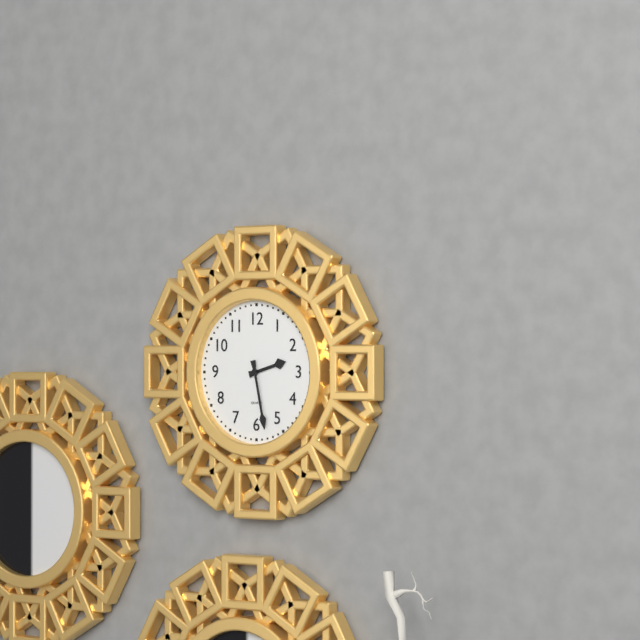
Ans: 2:28
